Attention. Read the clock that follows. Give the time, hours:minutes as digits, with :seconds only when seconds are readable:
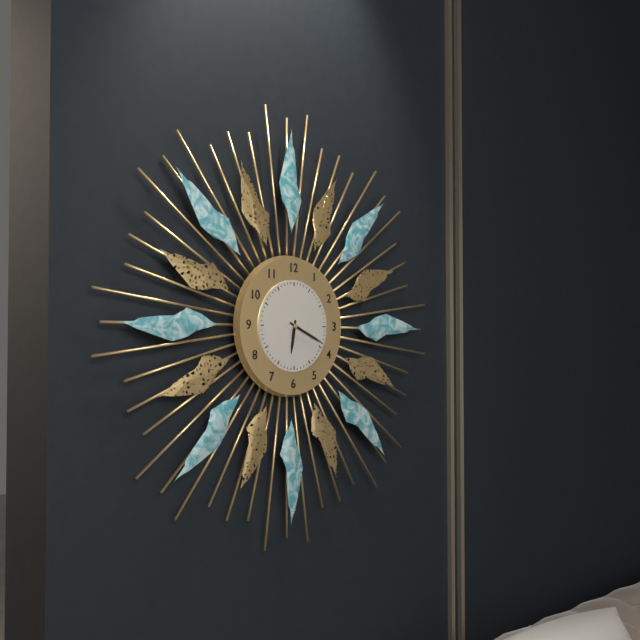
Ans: 6:19
